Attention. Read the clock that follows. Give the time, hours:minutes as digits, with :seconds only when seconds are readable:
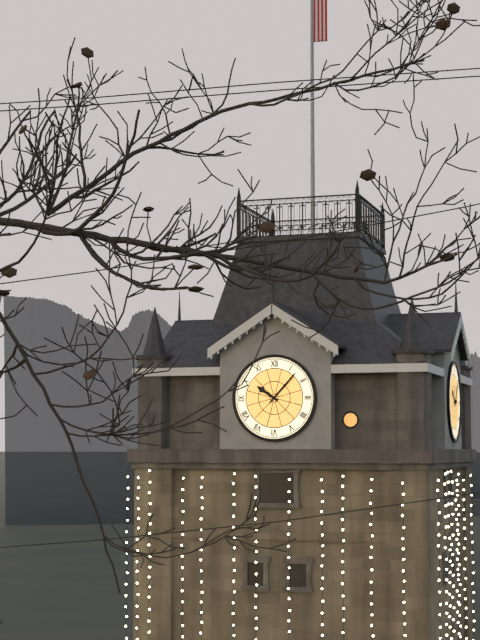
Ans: 10:07
